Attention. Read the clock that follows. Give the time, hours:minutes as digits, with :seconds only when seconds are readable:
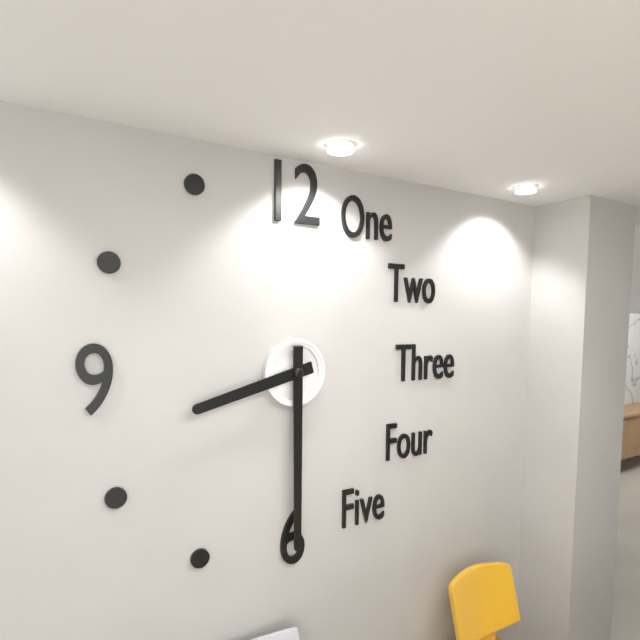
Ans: 8:30
